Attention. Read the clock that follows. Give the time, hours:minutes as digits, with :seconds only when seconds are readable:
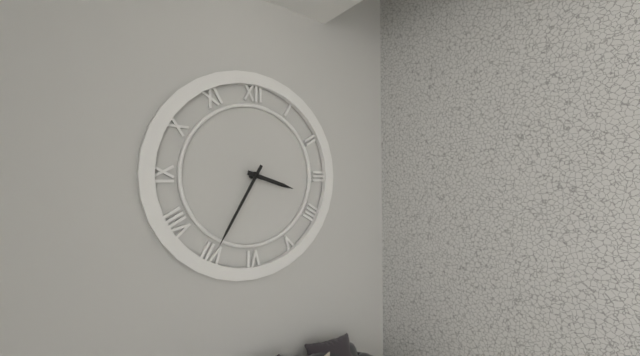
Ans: 3:35
